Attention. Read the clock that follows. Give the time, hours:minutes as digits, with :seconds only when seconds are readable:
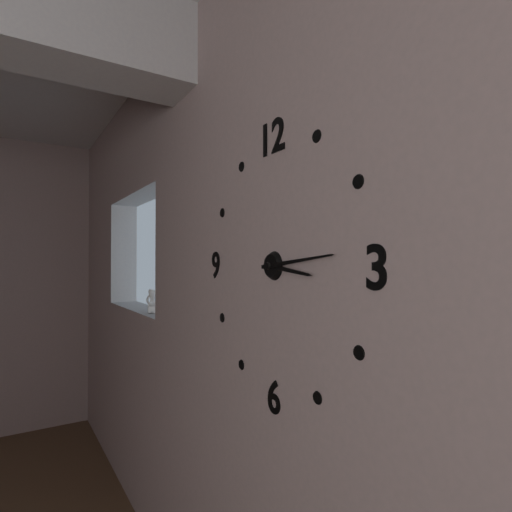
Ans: 3:14
